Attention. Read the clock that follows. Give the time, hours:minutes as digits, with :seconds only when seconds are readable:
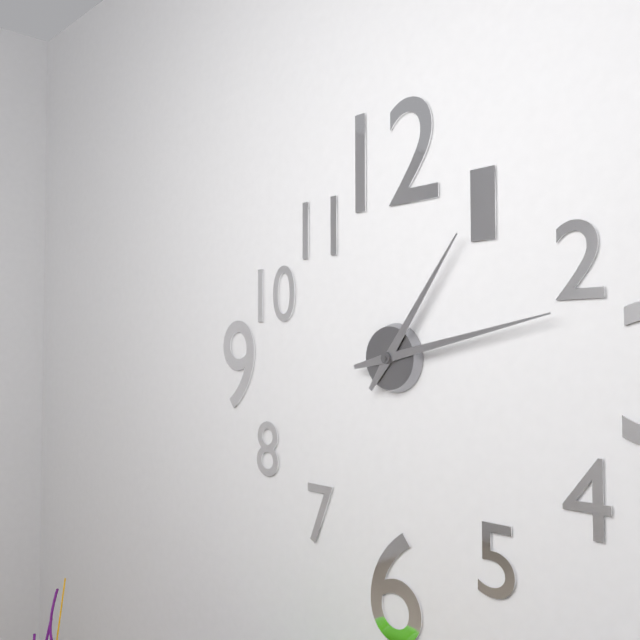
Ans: 1:13
